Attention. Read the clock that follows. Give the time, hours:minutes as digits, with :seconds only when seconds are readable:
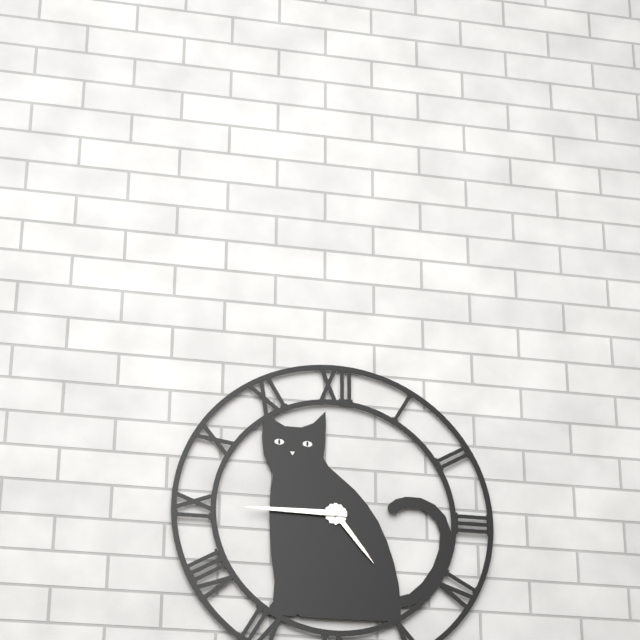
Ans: 4:45
